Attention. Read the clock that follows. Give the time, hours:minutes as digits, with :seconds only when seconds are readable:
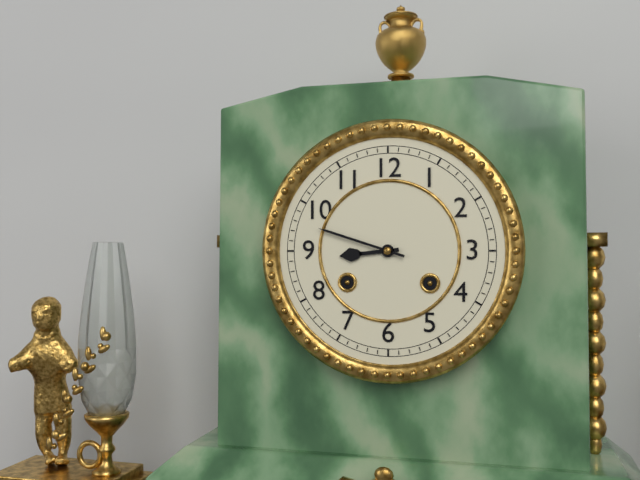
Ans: 8:48
